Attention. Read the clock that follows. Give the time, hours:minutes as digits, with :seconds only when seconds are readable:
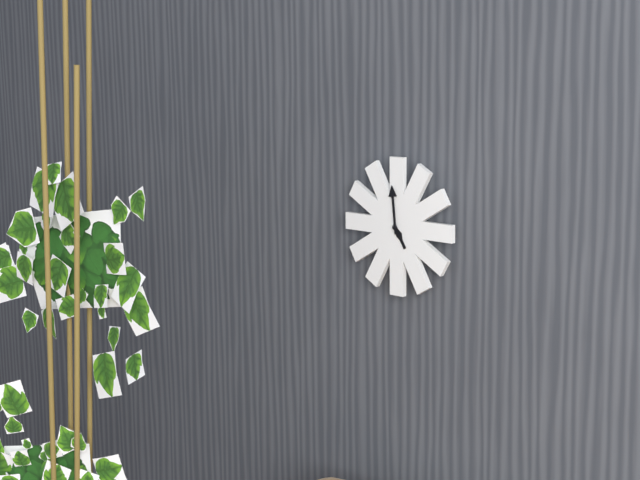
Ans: 4:59
